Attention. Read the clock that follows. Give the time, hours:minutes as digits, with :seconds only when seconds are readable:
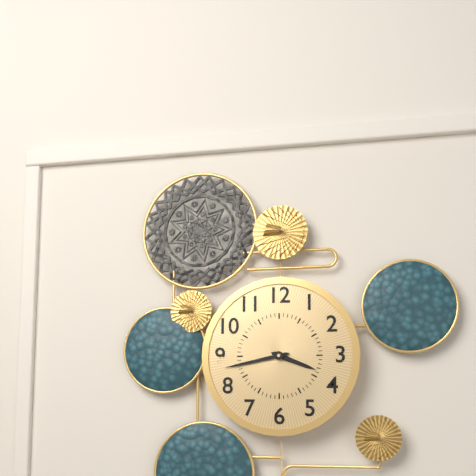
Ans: 3:43
